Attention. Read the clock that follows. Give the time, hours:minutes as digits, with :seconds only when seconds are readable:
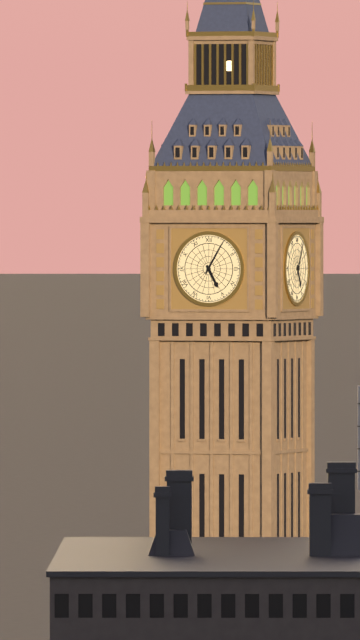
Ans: 5:05
